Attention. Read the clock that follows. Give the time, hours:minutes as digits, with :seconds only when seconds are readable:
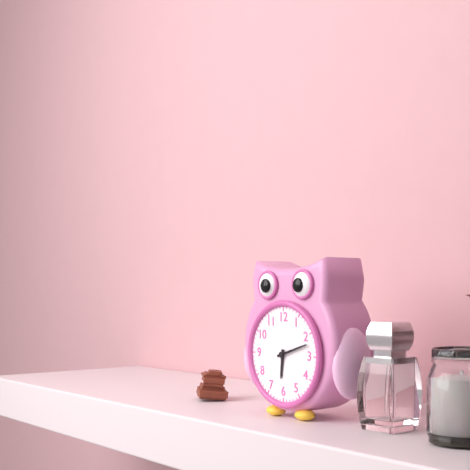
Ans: 6:12
